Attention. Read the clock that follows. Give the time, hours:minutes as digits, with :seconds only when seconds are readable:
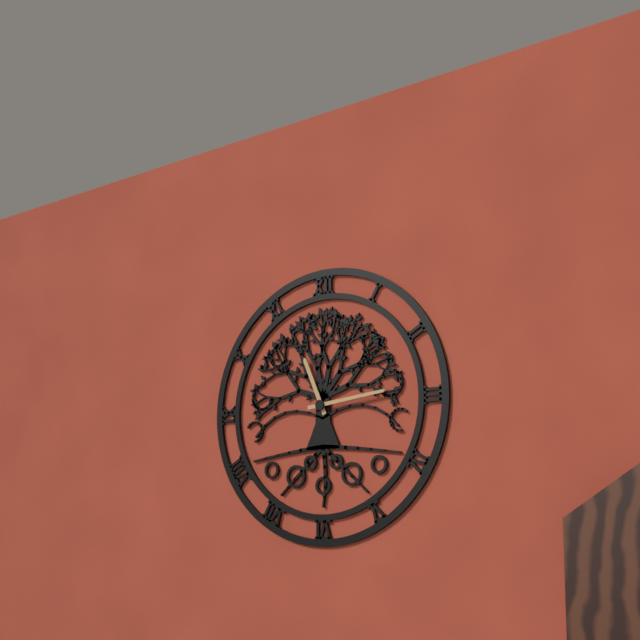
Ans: 11:14
